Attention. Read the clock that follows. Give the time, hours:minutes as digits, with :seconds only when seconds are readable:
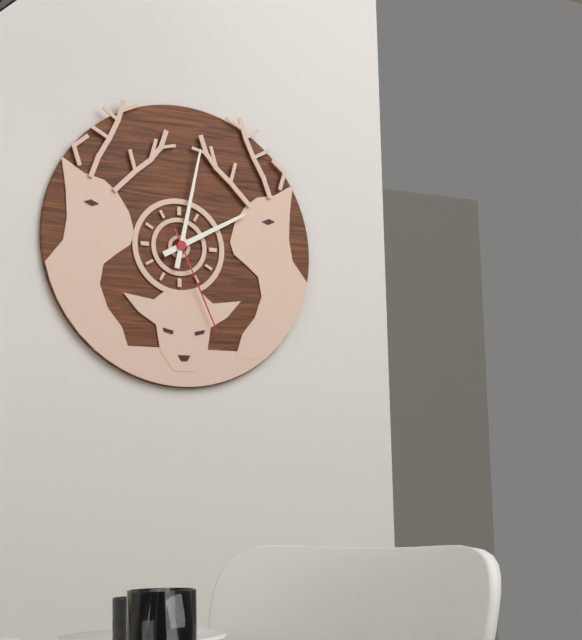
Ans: 2:02:26
